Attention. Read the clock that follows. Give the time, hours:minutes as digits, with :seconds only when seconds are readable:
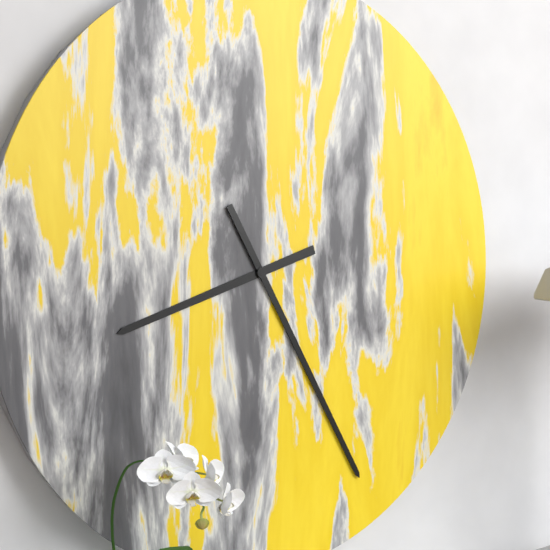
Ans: 8:25
